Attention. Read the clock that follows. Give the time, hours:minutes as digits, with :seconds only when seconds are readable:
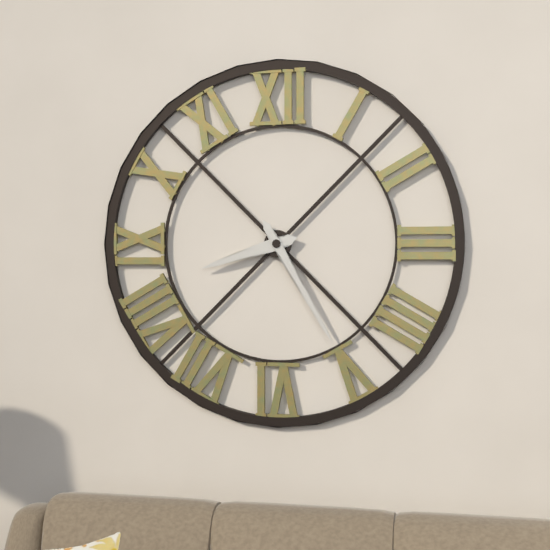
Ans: 8:25
